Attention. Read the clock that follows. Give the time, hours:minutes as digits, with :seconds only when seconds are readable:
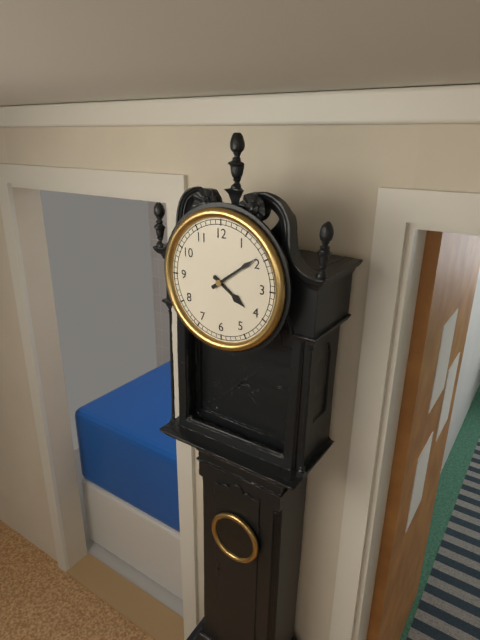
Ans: 4:09
